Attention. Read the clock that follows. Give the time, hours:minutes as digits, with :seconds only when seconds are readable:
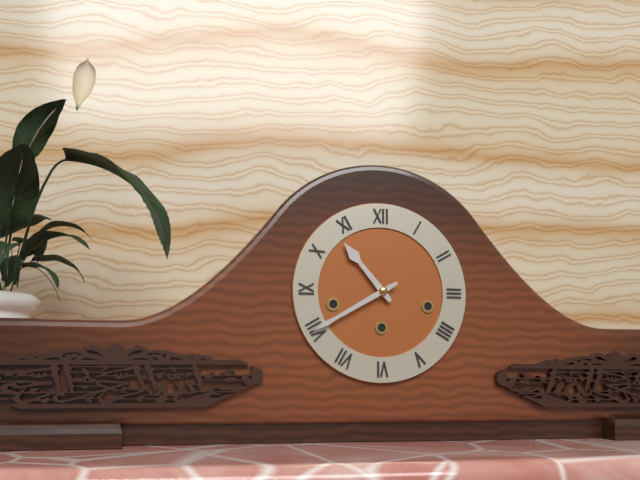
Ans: 10:40
